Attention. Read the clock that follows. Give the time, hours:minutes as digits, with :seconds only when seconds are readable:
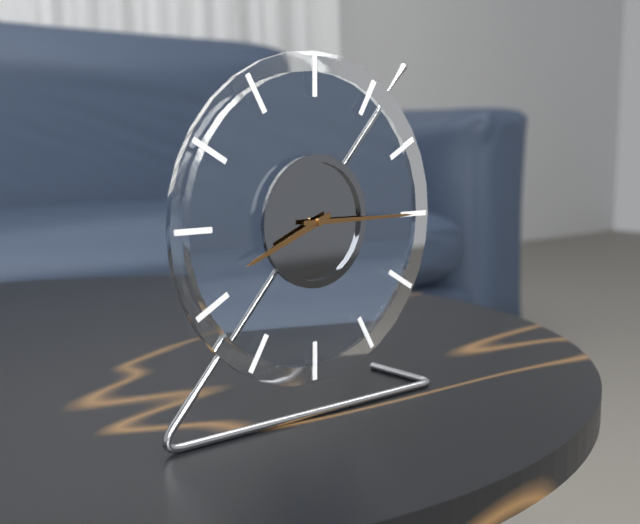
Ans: 8:15
